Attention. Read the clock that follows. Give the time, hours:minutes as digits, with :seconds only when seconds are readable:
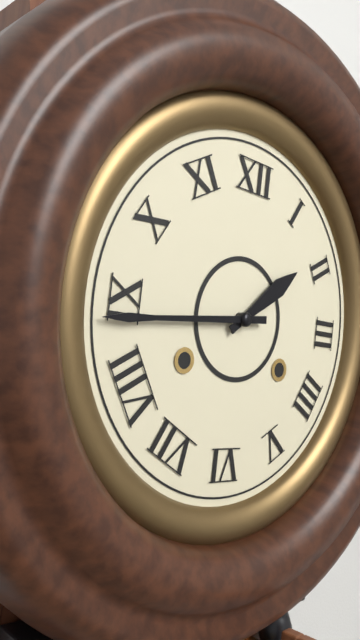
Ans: 1:44
